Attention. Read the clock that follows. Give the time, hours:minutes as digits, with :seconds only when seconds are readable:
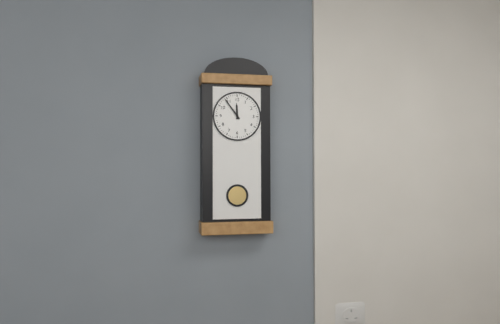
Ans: 11:54
